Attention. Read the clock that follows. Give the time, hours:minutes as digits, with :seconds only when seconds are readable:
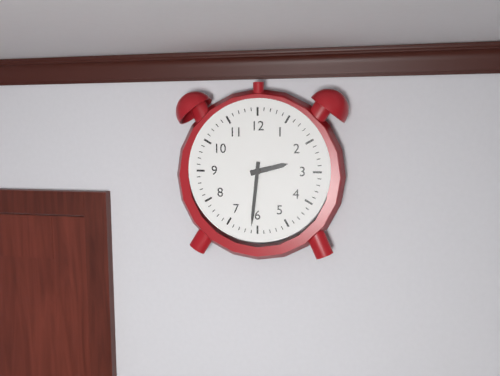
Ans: 2:31
